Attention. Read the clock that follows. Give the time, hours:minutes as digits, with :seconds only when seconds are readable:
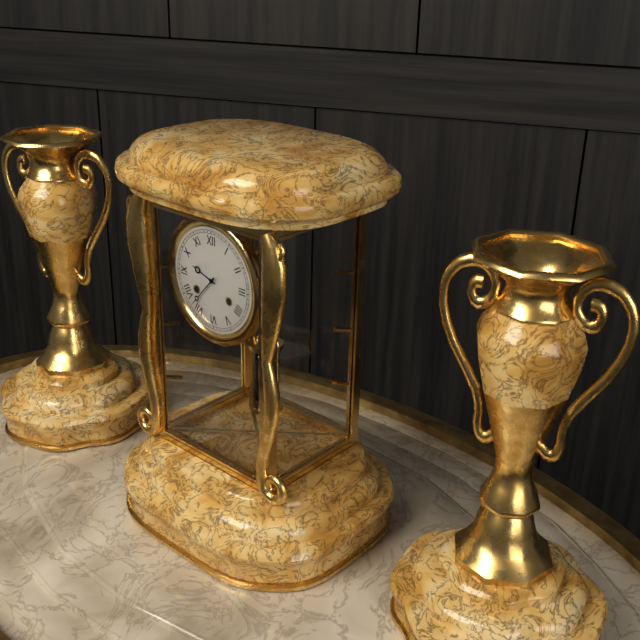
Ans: 9:37
